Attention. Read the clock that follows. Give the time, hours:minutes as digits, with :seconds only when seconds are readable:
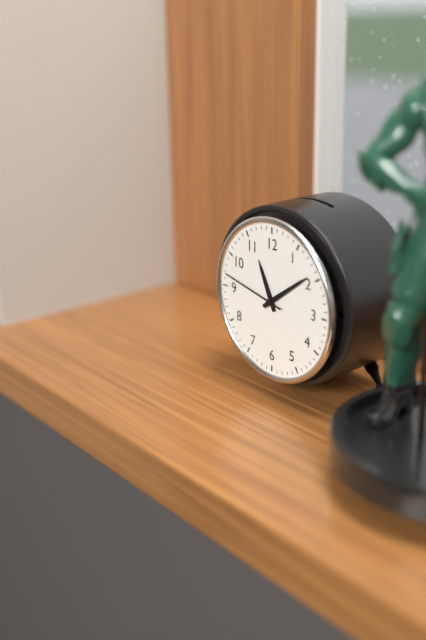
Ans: 11:09:47
